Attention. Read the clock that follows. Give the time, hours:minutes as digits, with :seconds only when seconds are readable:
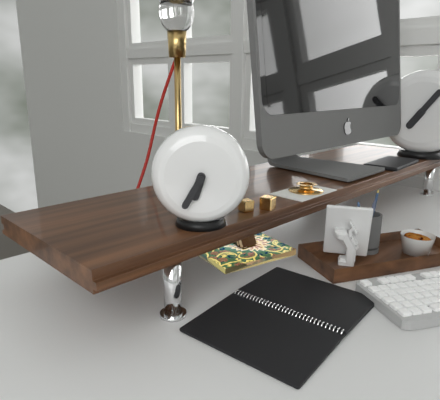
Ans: 6:35
